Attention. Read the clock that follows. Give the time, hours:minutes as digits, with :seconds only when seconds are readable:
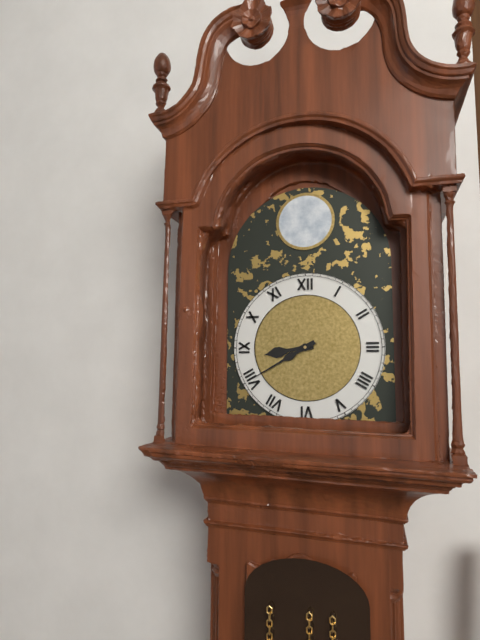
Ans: 8:40
